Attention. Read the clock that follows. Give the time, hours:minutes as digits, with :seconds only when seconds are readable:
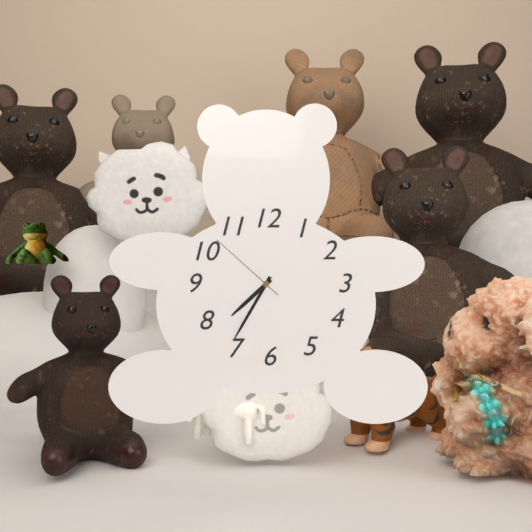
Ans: 7:35:52
